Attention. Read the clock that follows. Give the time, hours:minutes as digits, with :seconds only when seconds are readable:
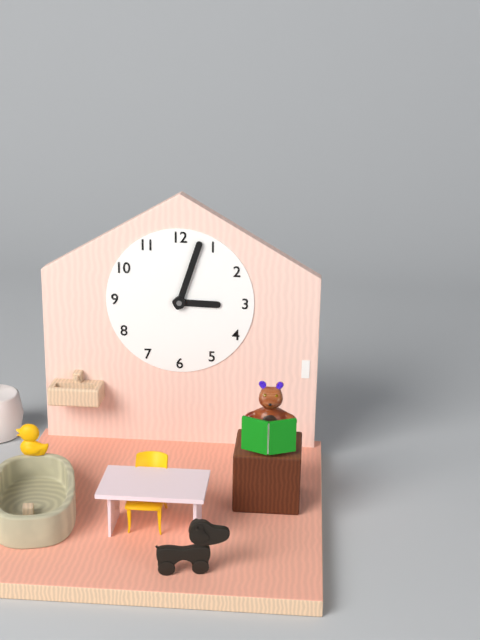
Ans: 3:03
